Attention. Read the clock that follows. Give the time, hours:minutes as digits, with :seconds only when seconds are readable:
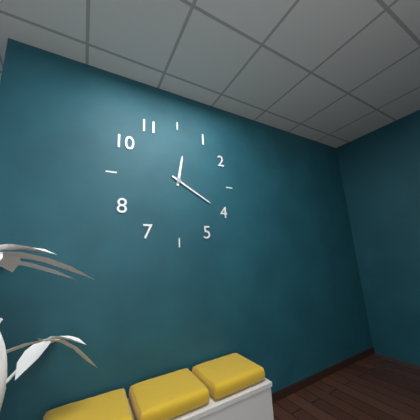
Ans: 12:20
